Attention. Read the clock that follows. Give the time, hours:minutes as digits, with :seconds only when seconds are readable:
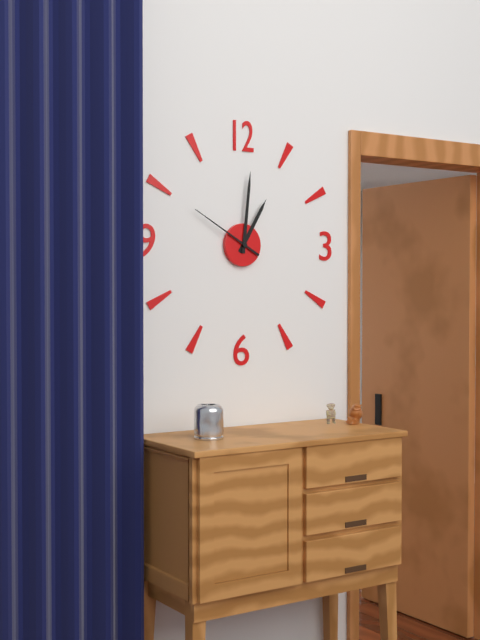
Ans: 1:01:50
